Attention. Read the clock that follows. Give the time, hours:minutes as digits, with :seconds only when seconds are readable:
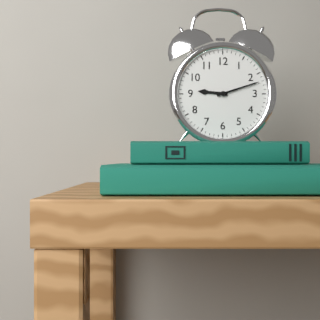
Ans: 9:12
